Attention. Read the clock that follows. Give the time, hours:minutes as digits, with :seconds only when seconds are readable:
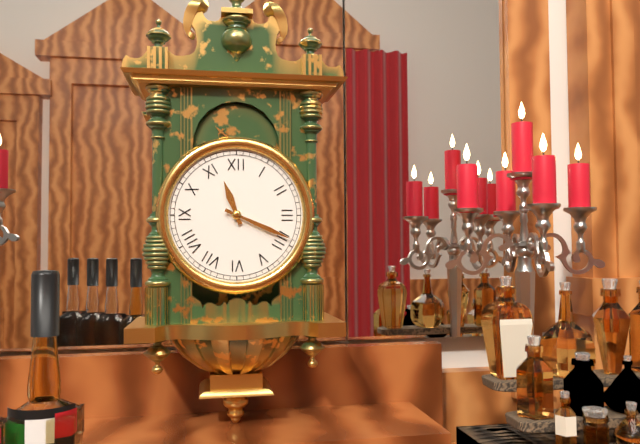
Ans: 11:19
